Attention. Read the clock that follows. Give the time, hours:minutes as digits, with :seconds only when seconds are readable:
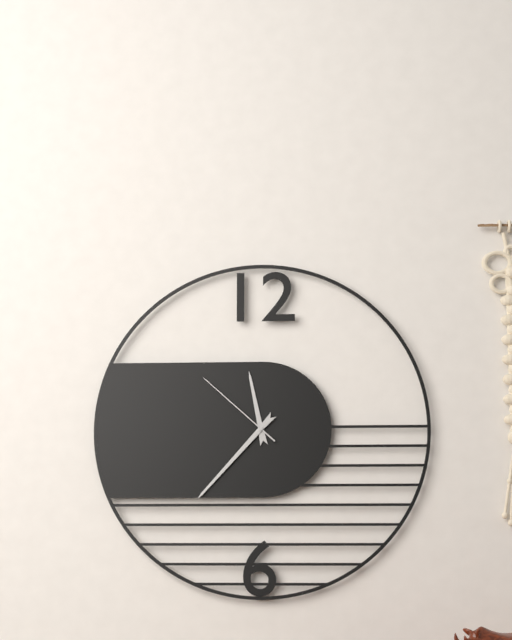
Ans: 11:37:52
